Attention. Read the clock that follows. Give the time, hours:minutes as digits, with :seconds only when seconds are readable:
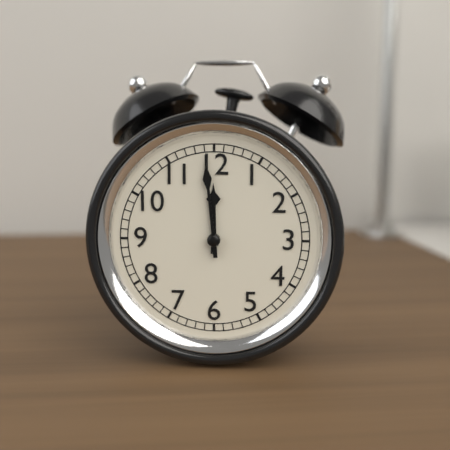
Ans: 11:59
